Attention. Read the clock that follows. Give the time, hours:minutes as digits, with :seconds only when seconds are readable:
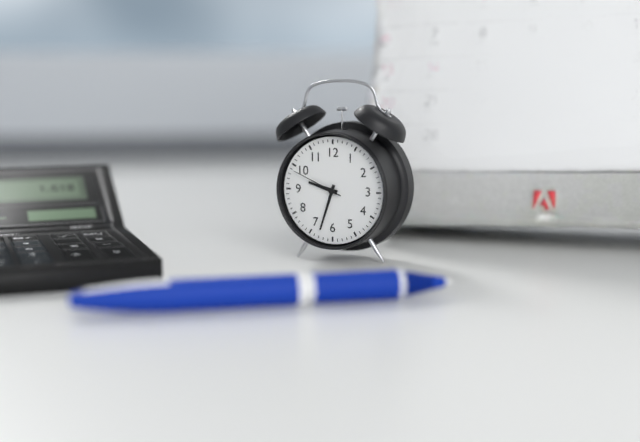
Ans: 9:33:49
